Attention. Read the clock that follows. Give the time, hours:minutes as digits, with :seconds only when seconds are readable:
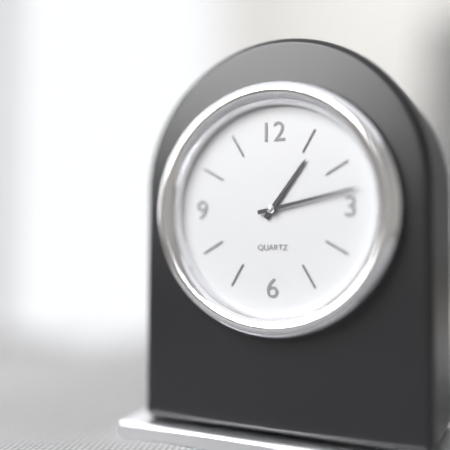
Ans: 1:13
